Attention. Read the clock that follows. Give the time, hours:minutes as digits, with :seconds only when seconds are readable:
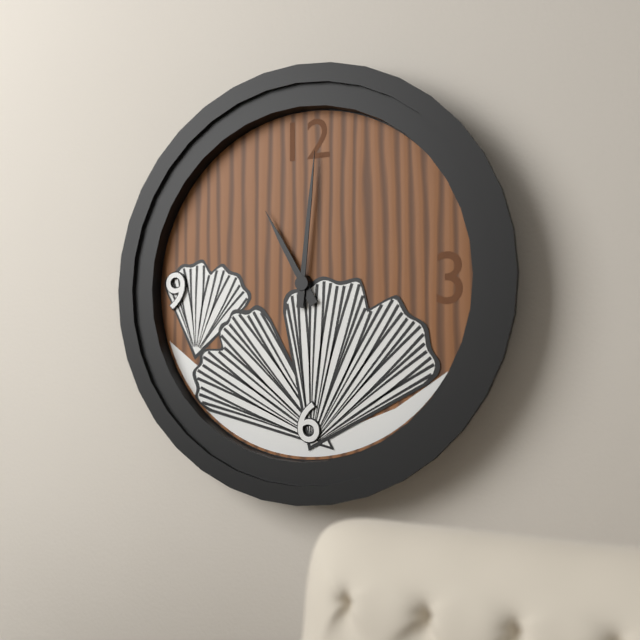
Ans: 11:01
